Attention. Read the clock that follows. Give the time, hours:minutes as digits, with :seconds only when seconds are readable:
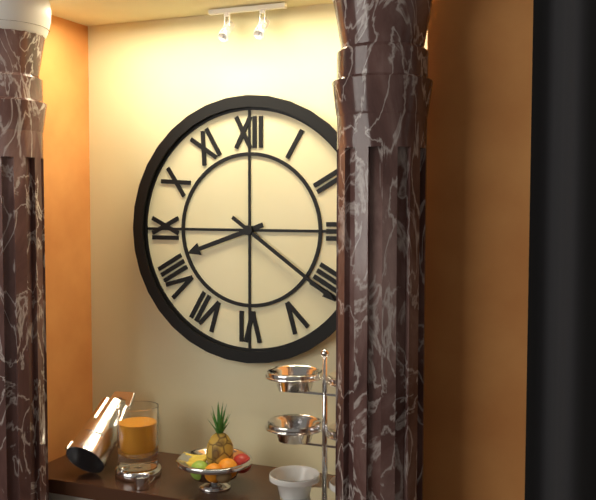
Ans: 8:21
